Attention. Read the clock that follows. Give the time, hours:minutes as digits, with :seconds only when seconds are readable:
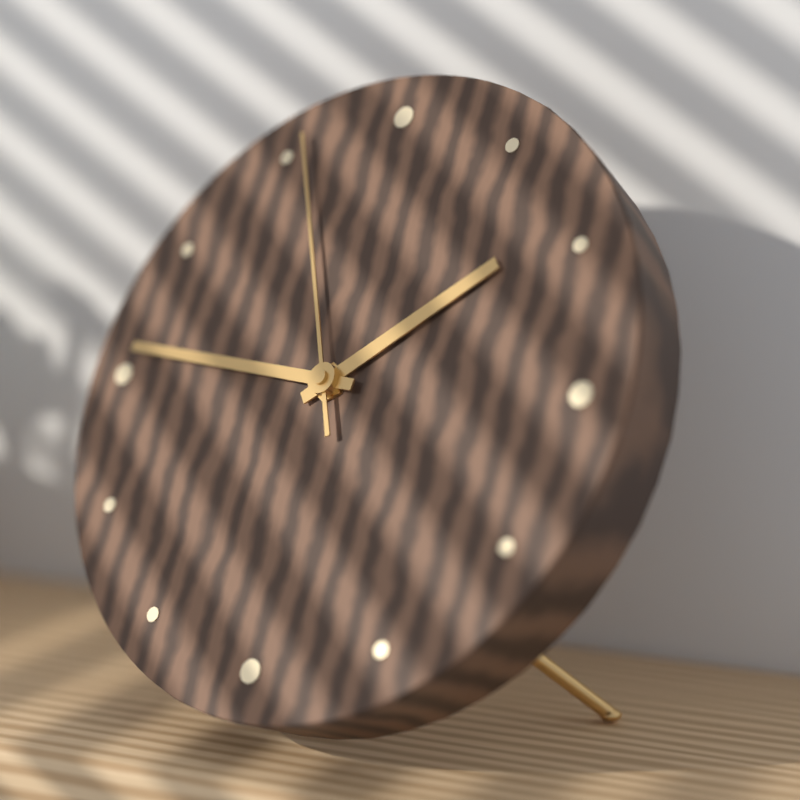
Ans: 1:46:56
